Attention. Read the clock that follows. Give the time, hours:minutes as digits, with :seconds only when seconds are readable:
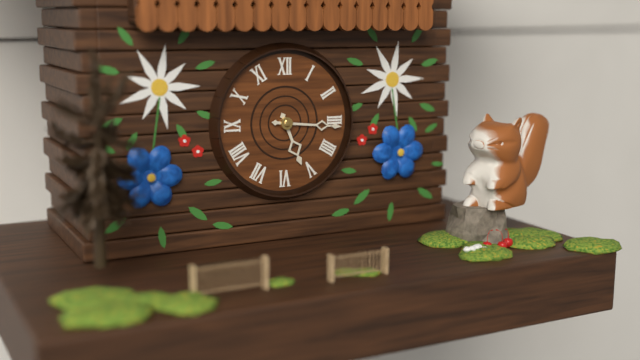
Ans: 5:16
